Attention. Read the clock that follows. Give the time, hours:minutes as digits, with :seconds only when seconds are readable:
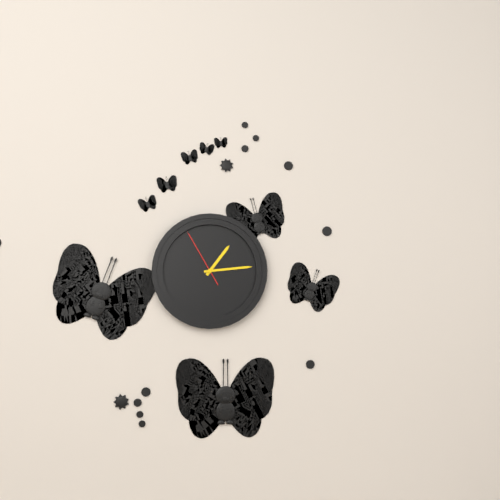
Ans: 1:14:55
